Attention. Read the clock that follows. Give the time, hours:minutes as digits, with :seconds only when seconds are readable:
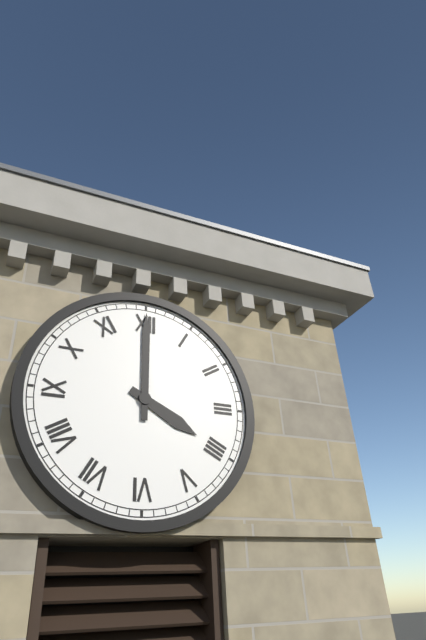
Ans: 4:00
